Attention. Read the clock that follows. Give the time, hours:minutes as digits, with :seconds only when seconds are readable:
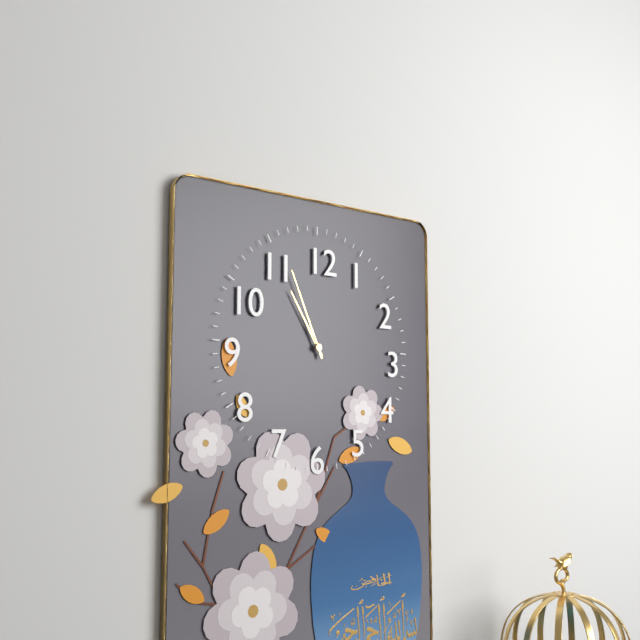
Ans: 10:56
